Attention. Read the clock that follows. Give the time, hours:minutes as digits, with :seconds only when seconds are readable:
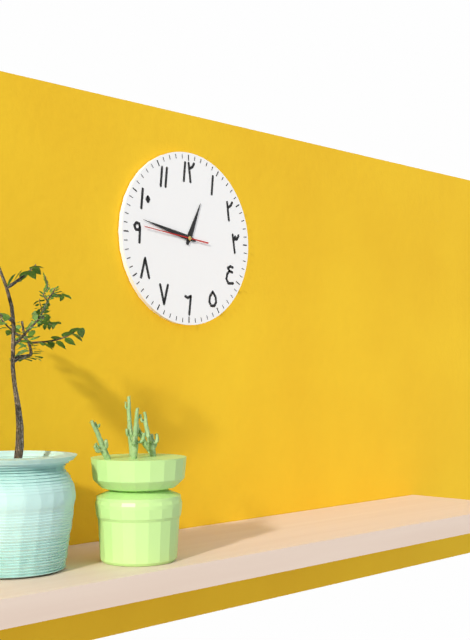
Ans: 12:47:46
